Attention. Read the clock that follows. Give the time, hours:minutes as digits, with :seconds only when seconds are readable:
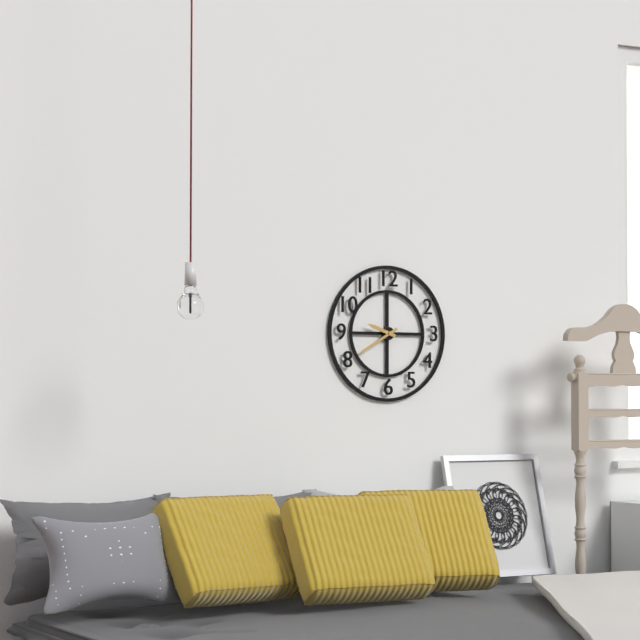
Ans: 9:40
